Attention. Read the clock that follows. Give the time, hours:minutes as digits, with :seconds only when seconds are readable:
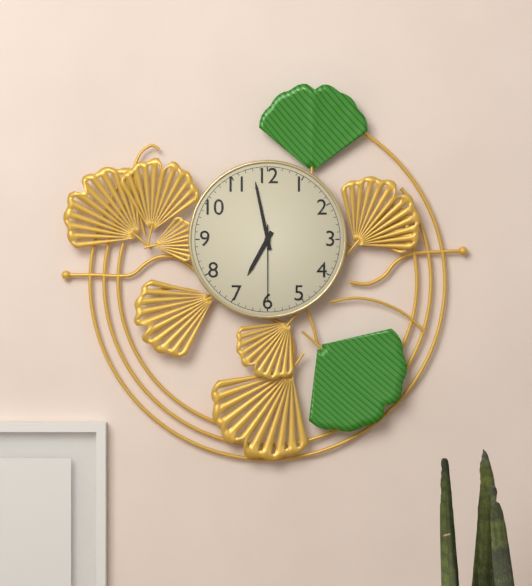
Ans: 6:58:30
